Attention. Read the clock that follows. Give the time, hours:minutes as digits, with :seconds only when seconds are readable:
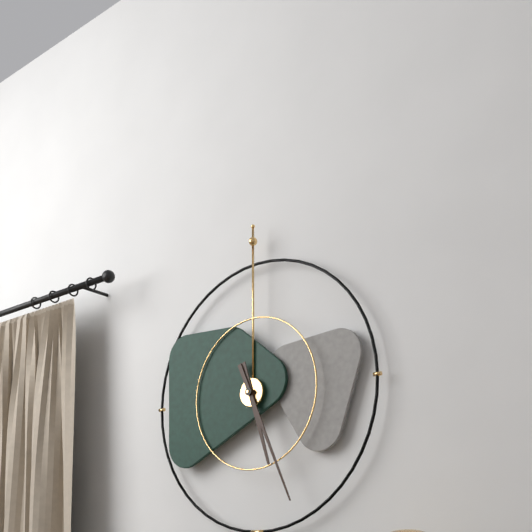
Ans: 5:26
